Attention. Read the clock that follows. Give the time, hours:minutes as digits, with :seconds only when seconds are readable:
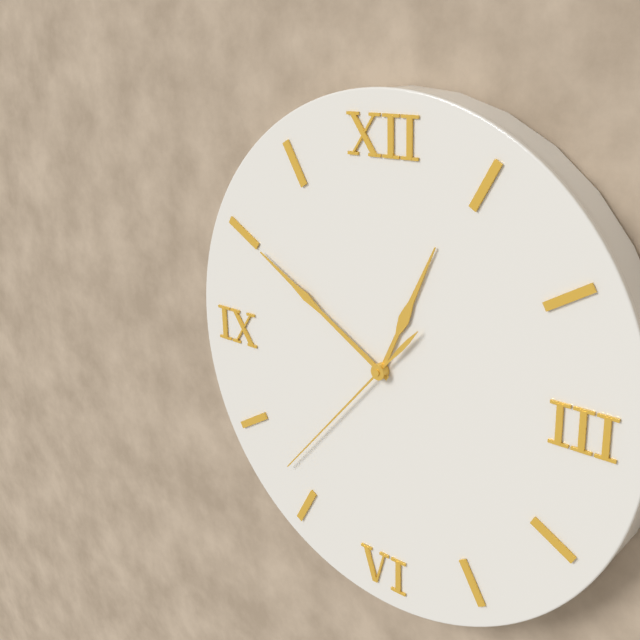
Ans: 12:50:37
